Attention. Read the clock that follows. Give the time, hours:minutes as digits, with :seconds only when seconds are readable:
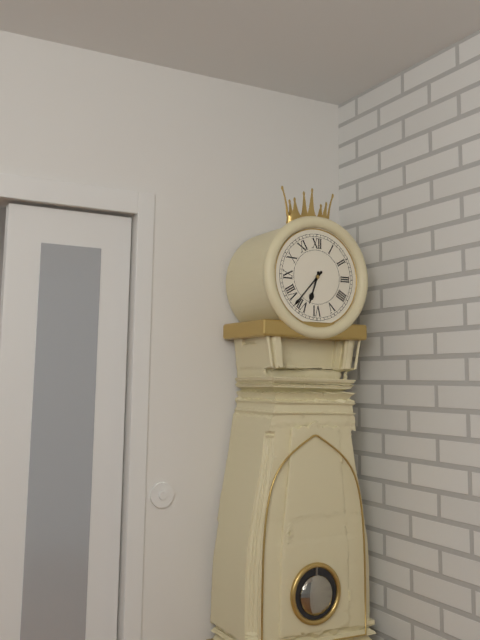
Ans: 6:37
